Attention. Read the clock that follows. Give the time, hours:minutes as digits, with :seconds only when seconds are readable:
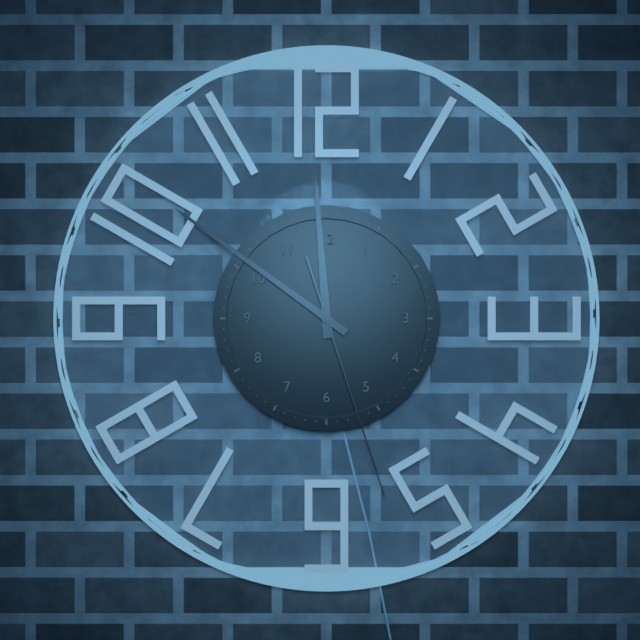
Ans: 11:51:27
